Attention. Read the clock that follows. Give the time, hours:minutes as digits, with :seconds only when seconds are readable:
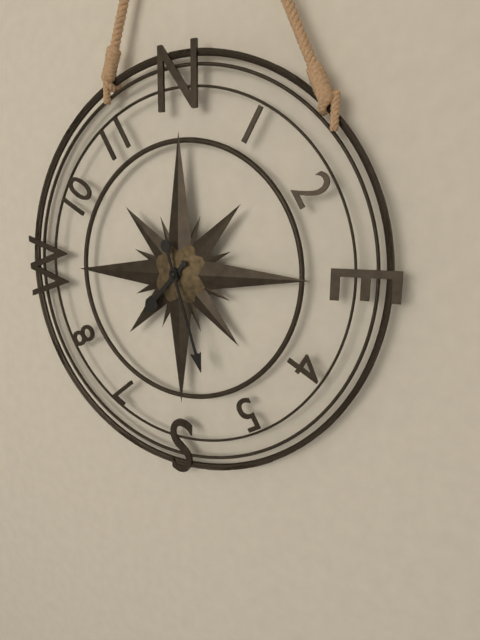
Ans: 7:27
